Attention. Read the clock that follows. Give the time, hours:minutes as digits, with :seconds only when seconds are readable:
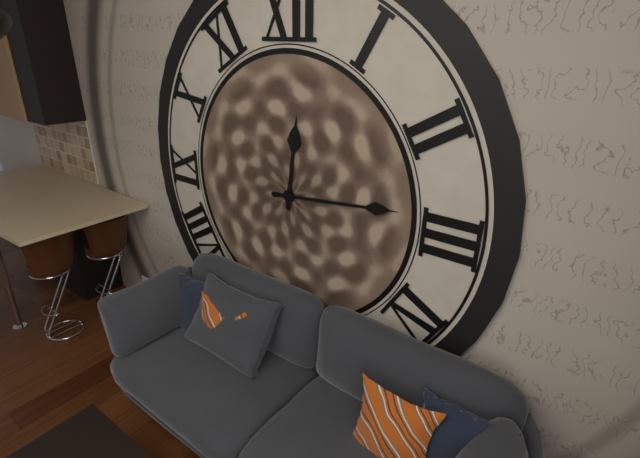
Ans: 12:14
